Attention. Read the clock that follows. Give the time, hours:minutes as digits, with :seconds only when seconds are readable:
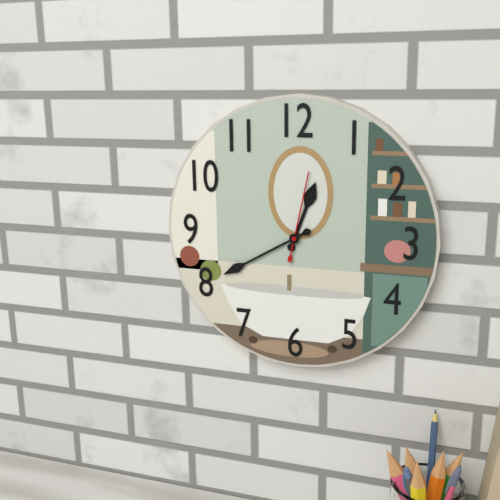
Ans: 12:40:02
